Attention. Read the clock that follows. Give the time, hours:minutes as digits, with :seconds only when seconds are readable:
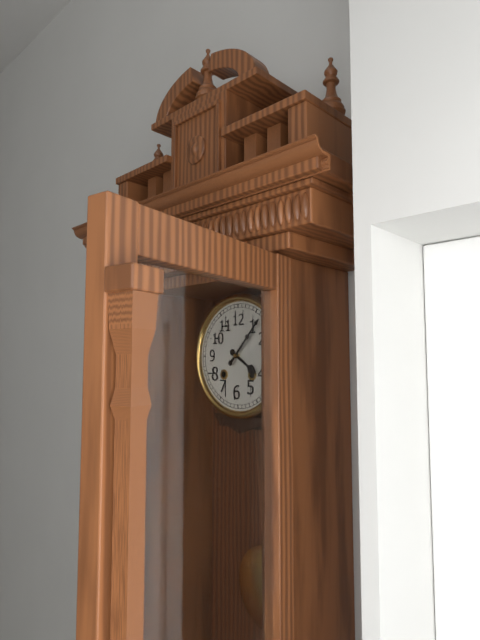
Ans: 4:07
